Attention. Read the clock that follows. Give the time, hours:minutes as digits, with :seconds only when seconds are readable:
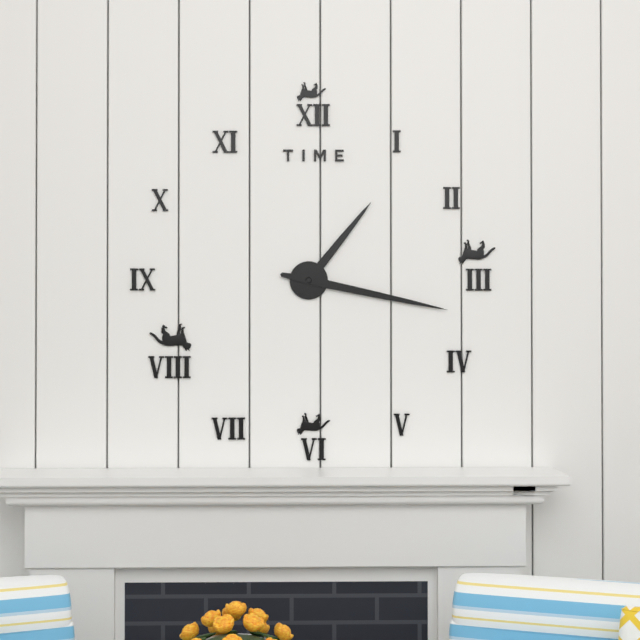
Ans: 1:17
